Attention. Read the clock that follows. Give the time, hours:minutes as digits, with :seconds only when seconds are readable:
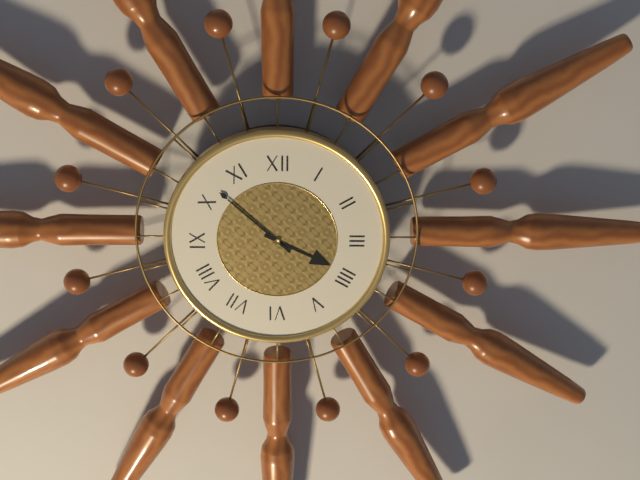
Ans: 3:52
